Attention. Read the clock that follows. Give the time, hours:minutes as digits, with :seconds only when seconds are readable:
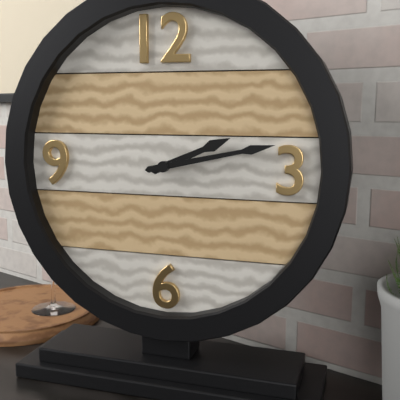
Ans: 2:13
